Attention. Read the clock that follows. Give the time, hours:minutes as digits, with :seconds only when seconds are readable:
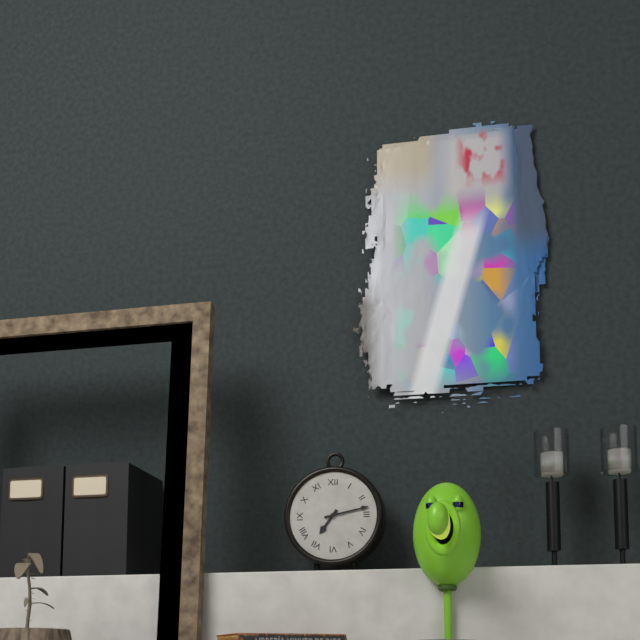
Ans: 7:13
